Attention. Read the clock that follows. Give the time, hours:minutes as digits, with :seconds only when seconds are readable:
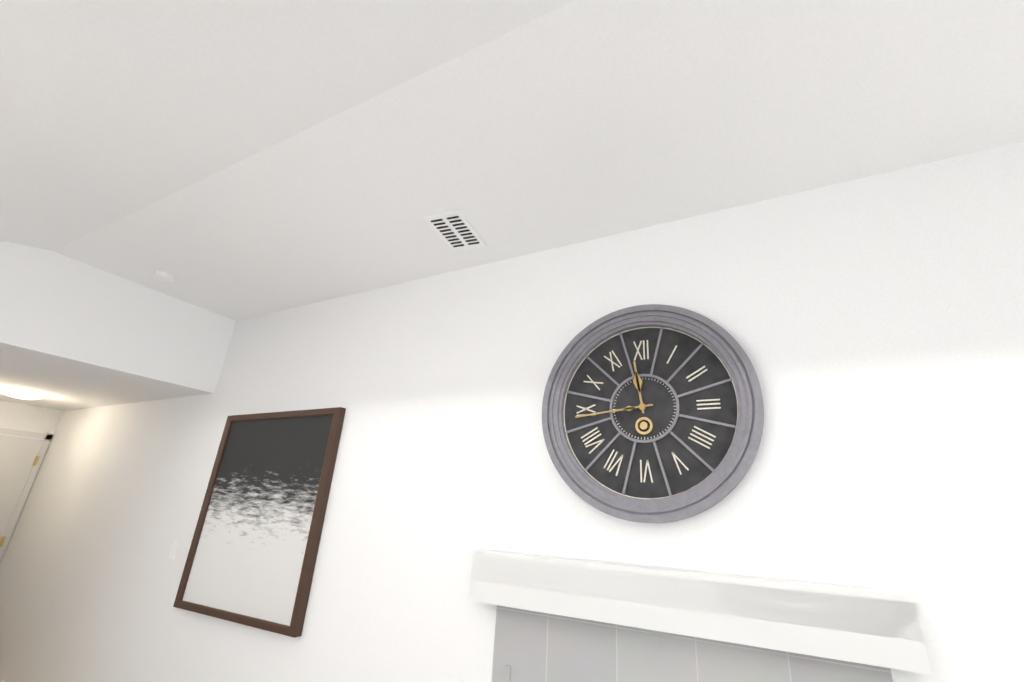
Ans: 11:44
